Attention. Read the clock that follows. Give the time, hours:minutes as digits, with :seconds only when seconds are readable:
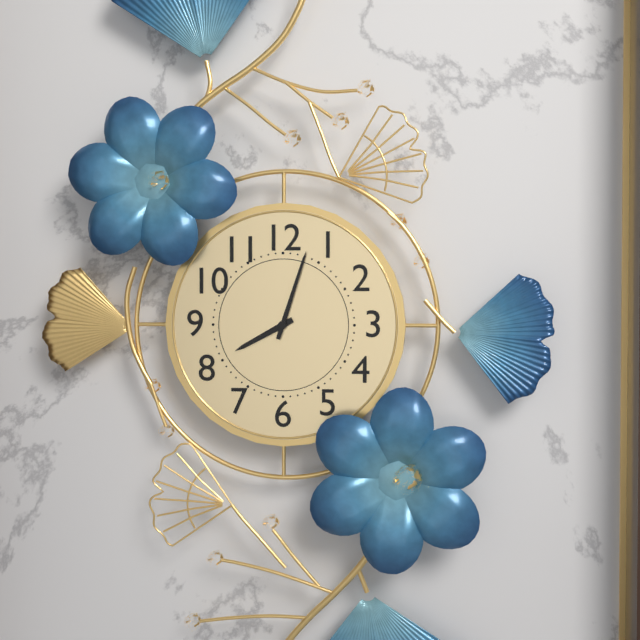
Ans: 8:03
